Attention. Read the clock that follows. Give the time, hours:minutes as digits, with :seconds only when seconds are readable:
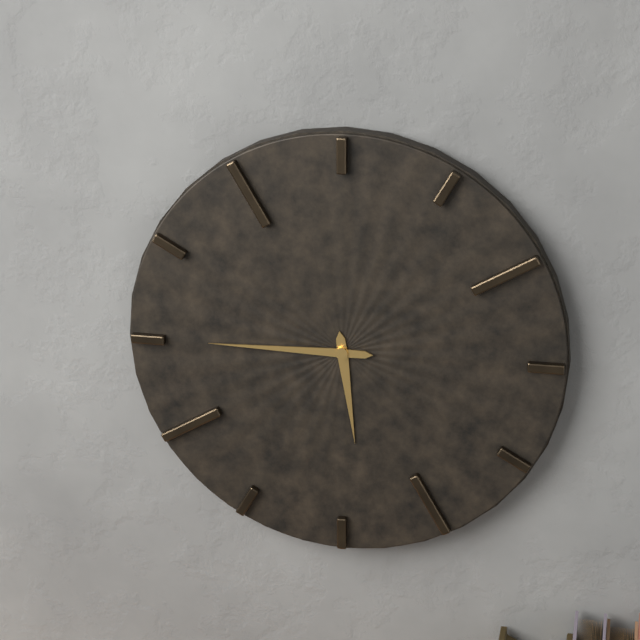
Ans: 5:45
